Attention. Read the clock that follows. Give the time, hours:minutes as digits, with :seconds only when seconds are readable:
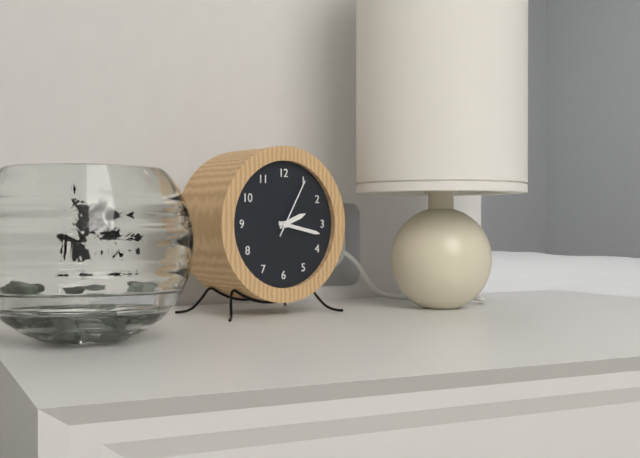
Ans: 2:17:05
